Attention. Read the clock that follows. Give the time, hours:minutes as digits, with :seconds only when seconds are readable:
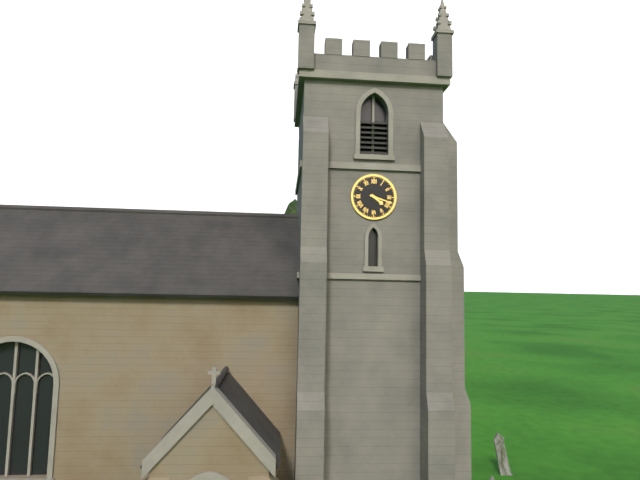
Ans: 4:18
